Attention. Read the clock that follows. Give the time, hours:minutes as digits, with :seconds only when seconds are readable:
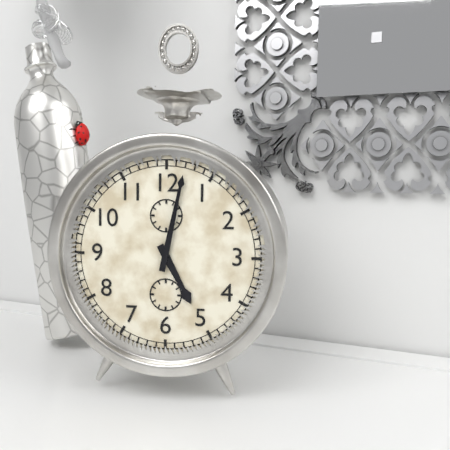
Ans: 5:02
